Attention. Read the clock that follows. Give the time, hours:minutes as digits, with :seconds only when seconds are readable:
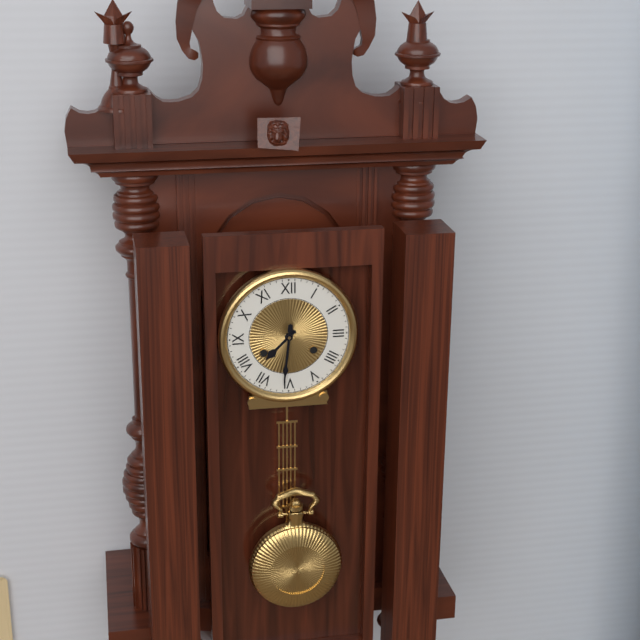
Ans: 7:31
